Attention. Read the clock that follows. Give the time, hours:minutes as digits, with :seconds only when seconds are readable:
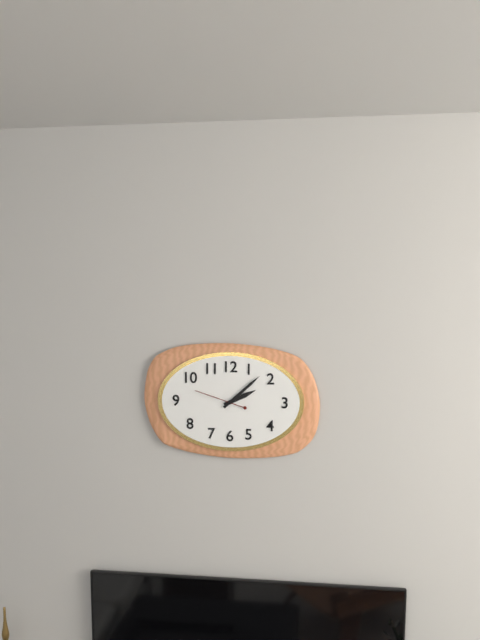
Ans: 2:08
